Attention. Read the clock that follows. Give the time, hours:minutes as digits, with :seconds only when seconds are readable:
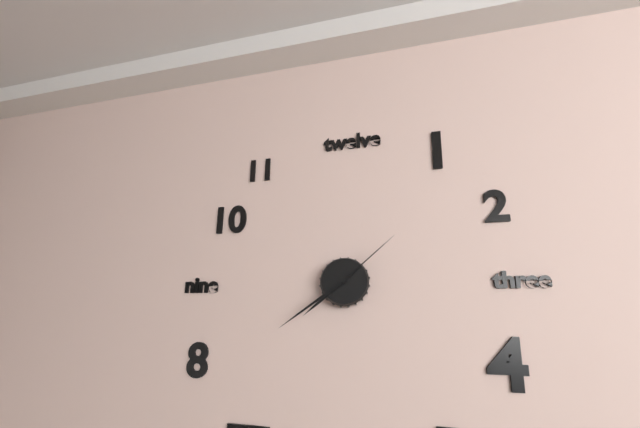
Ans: 7:39:08
